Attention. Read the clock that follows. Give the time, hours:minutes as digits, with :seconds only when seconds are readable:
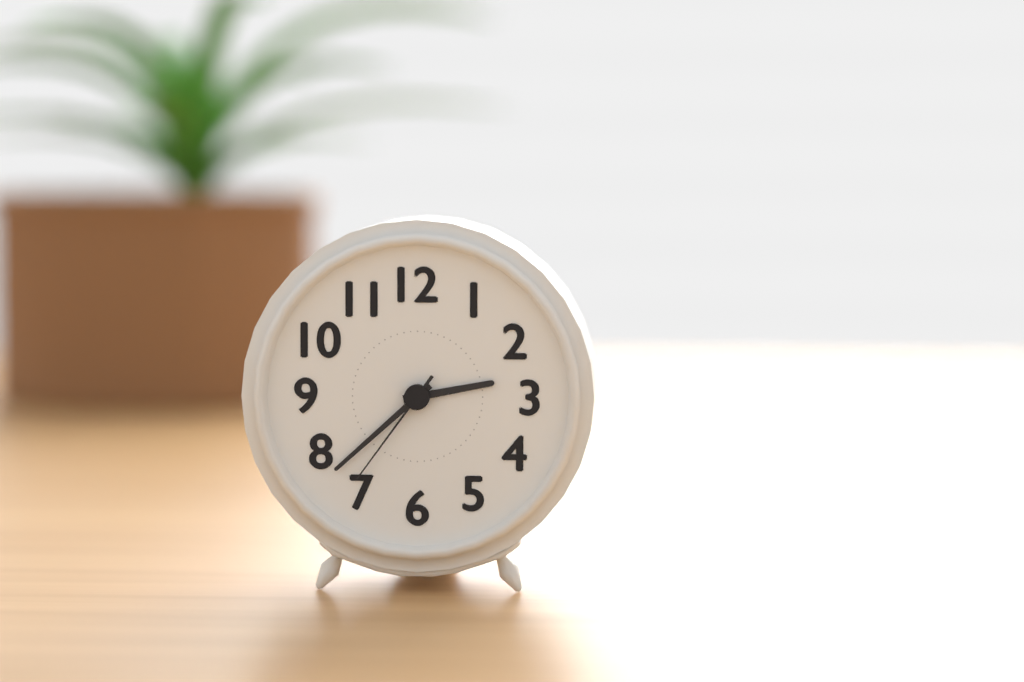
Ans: 2:38:36
